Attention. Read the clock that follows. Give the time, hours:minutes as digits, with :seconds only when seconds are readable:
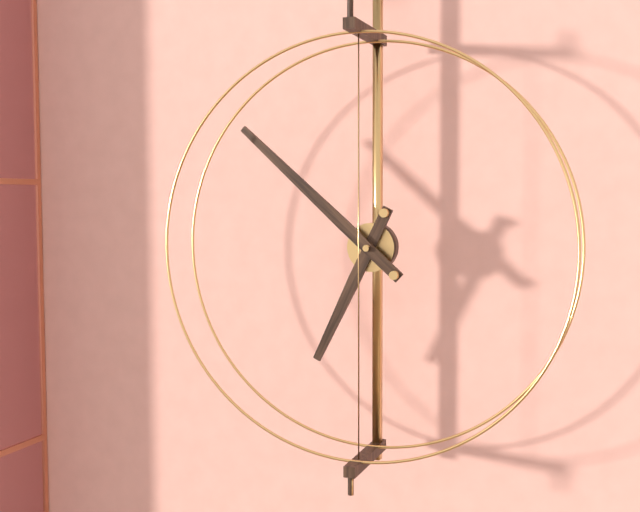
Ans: 6:52
